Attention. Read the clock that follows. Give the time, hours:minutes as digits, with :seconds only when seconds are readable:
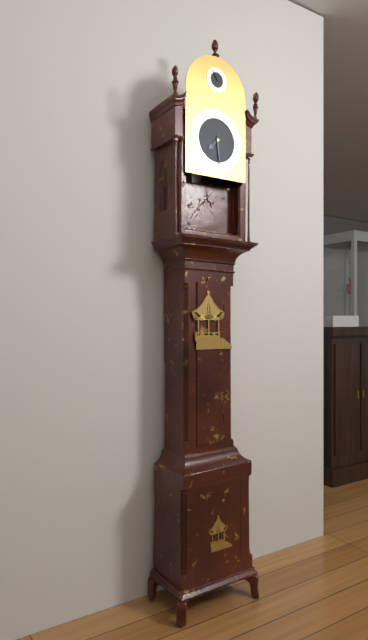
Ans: 7:29
